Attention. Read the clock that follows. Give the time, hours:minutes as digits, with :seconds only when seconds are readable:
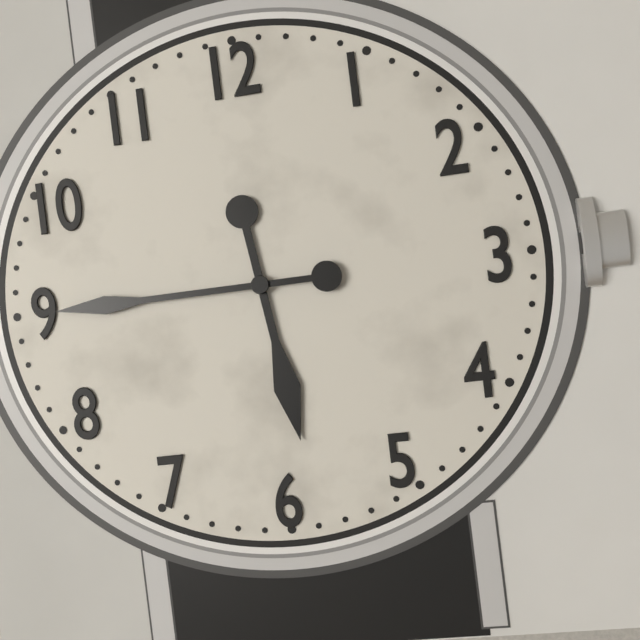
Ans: 5:45
